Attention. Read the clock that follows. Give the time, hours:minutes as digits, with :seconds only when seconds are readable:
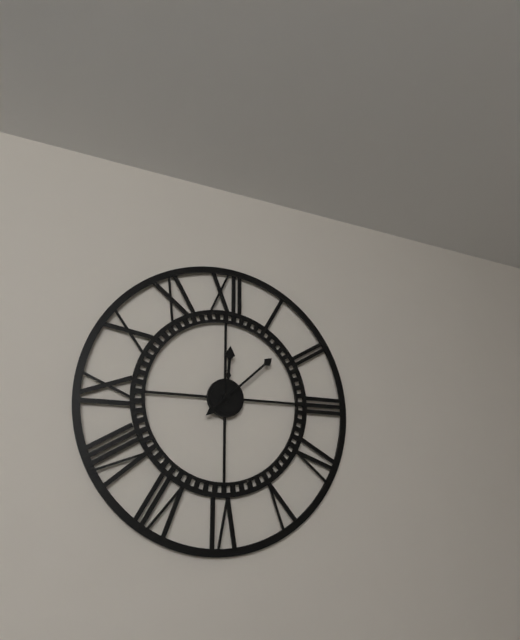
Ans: 12:08
